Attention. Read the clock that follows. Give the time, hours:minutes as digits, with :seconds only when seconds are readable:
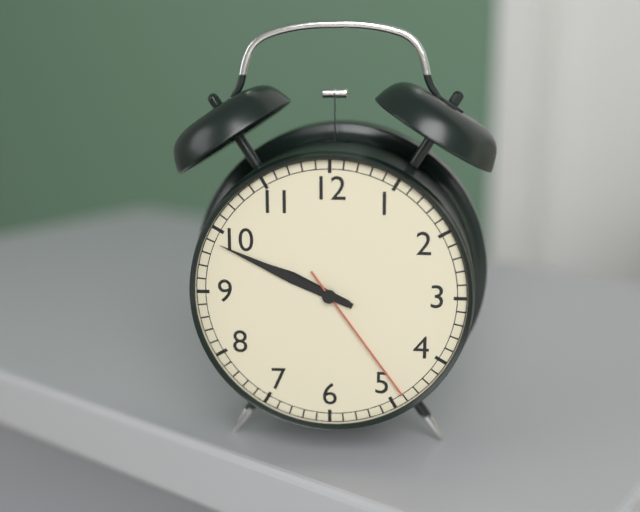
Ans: 9:49:24
